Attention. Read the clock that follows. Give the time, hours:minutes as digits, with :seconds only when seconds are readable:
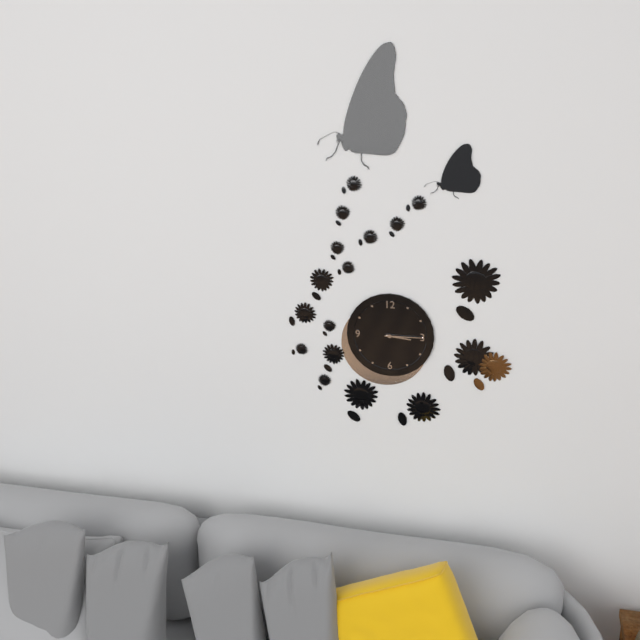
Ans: 3:15
